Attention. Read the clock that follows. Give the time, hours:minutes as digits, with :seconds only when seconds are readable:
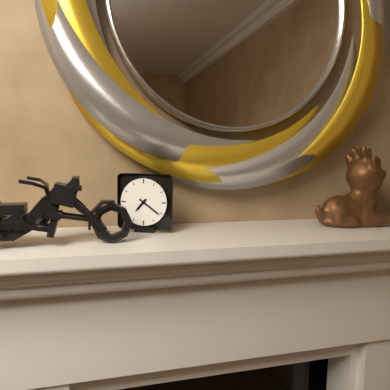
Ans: 7:21
